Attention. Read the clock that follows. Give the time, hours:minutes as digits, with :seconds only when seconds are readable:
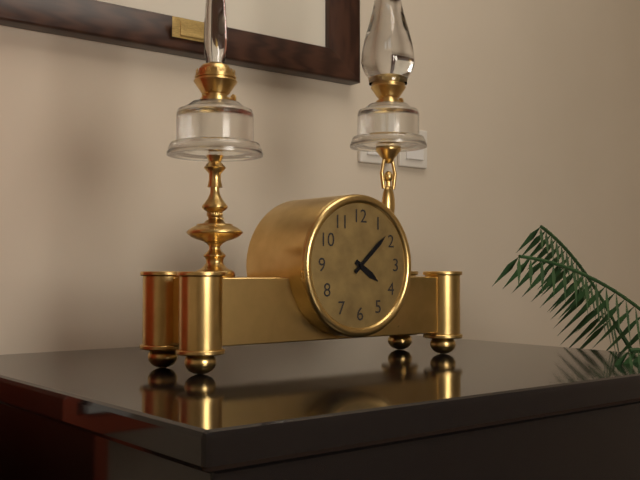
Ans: 4:08
